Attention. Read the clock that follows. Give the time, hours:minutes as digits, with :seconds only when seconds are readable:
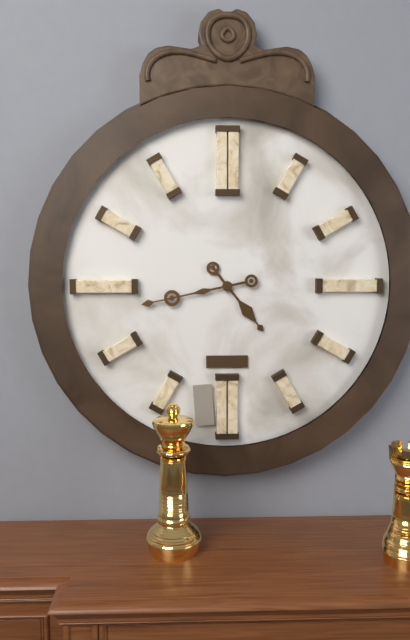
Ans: 4:43
